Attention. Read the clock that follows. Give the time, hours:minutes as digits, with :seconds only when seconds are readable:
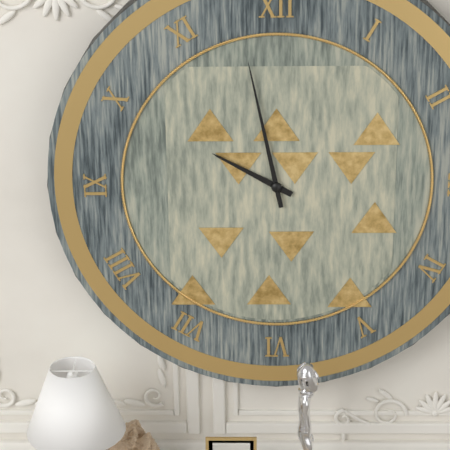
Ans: 9:58
